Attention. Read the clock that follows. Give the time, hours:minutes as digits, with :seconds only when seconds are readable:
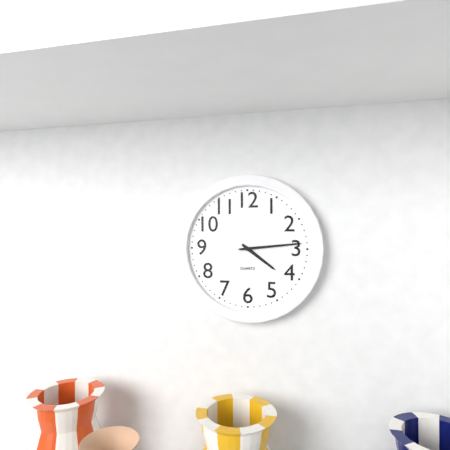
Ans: 4:14
